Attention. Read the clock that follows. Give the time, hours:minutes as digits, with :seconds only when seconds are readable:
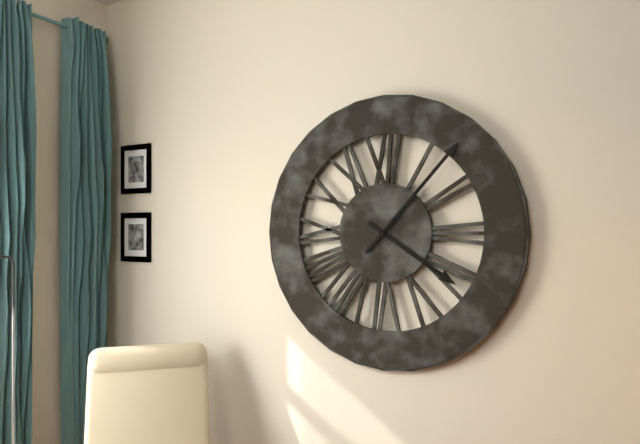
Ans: 4:07
